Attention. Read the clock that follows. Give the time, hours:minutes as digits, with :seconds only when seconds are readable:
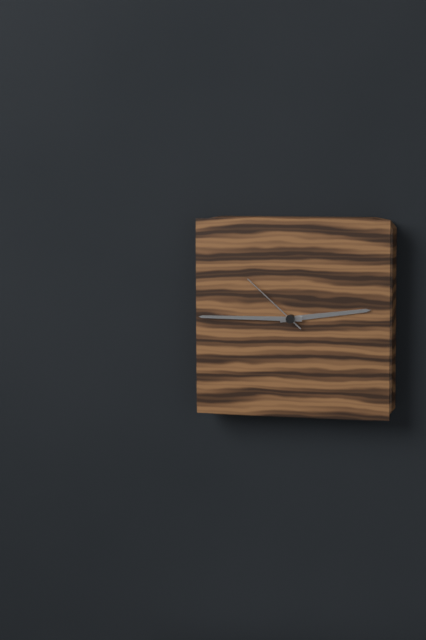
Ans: 2:45:52
